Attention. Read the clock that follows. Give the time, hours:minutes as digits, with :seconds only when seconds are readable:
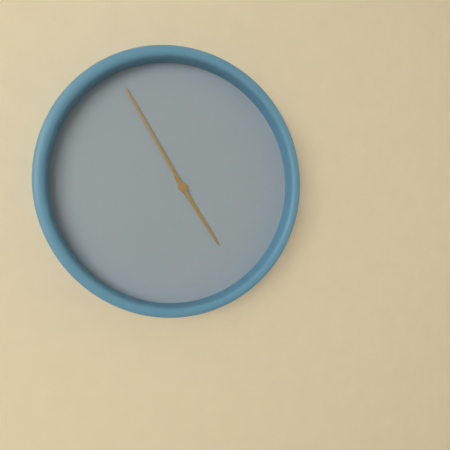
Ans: 4:55
